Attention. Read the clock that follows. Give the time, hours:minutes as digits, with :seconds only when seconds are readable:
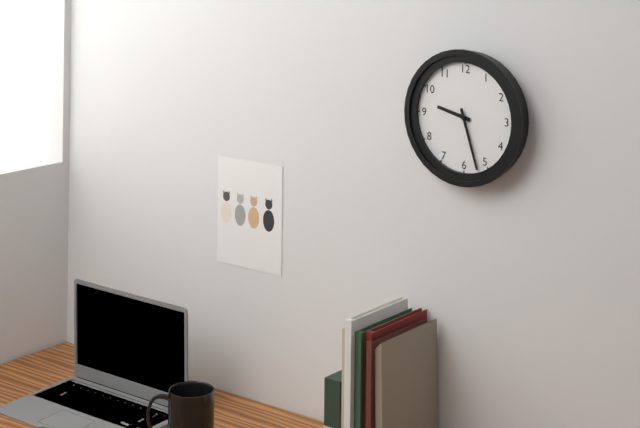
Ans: 9:27
